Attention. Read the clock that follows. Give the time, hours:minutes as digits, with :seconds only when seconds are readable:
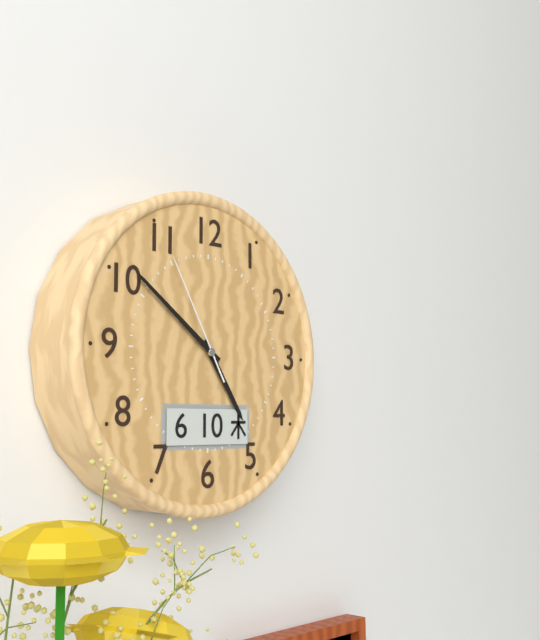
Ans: 4:51:55
